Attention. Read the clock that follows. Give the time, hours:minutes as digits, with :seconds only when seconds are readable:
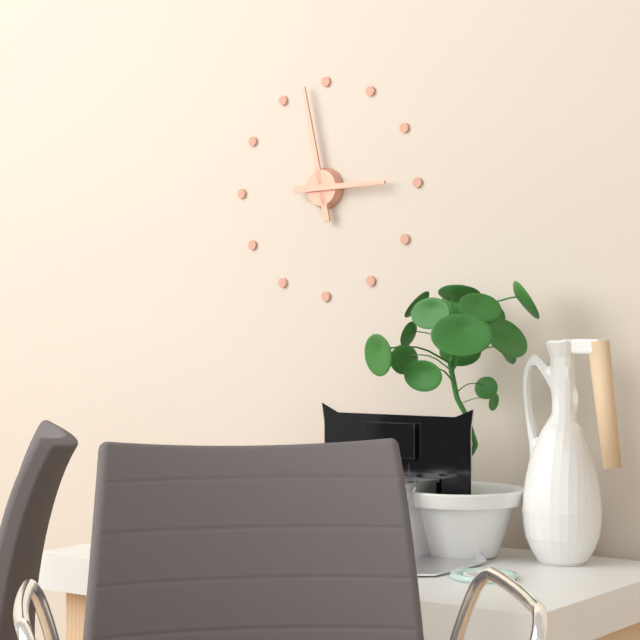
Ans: 2:58
